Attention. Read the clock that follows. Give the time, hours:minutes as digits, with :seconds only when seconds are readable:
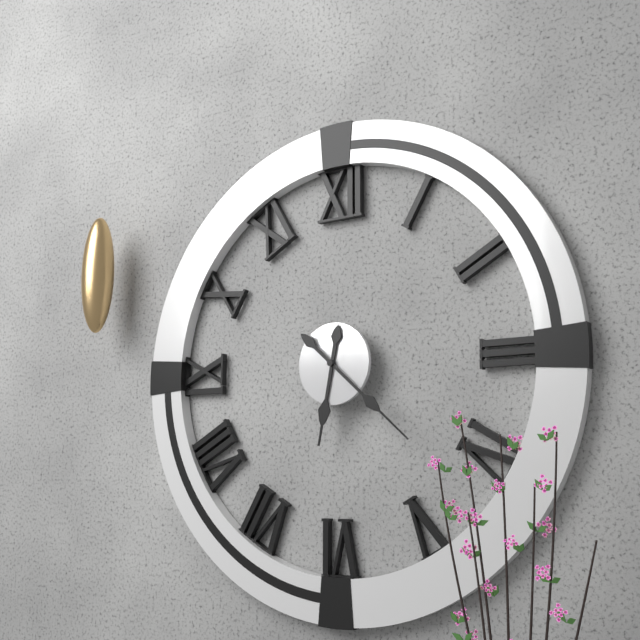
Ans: 6:22
